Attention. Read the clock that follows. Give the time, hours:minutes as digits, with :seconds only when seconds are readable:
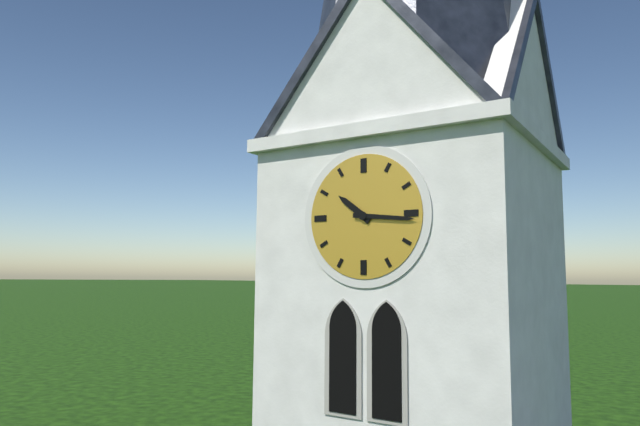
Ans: 10:16
